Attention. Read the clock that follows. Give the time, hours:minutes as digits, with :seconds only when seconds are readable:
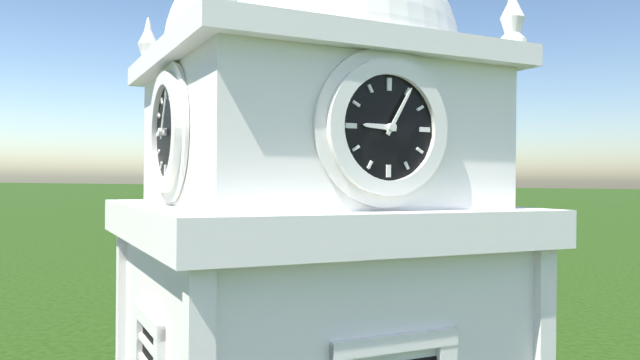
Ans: 9:05
